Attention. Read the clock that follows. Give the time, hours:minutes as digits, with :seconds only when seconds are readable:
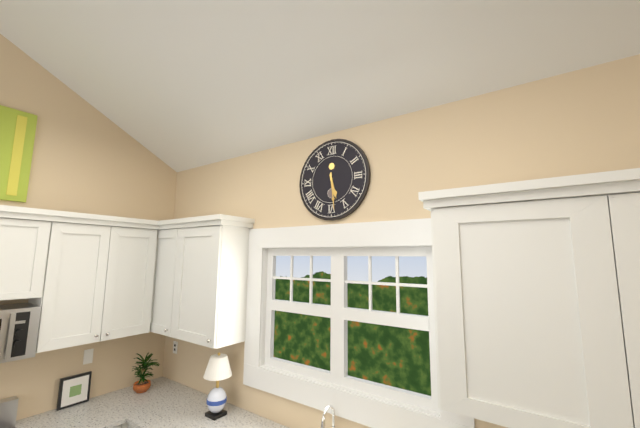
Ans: 5:29
